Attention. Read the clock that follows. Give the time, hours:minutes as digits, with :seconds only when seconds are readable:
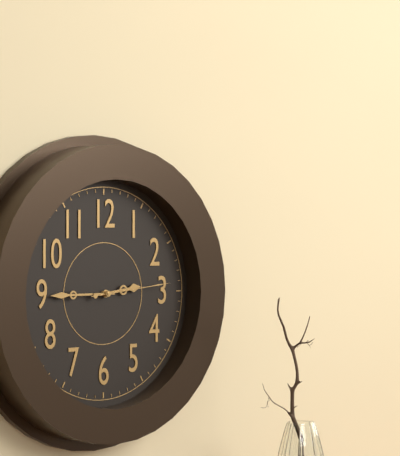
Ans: 2:45:14
